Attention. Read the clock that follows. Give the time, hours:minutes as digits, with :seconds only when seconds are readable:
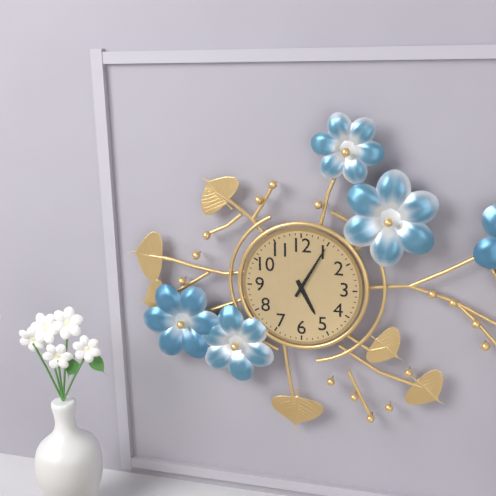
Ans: 5:05
